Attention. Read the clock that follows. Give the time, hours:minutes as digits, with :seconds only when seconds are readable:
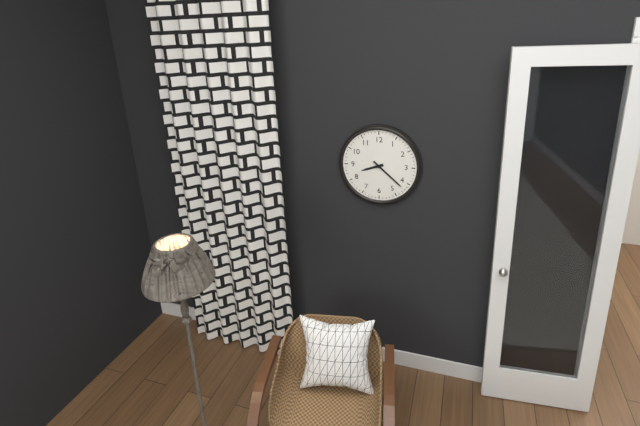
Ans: 8:22
